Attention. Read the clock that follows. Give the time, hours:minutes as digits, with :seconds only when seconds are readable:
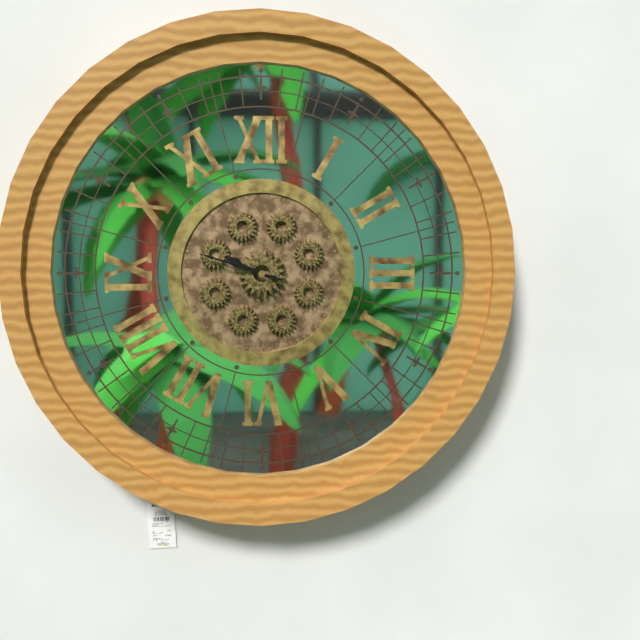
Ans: 9:48
